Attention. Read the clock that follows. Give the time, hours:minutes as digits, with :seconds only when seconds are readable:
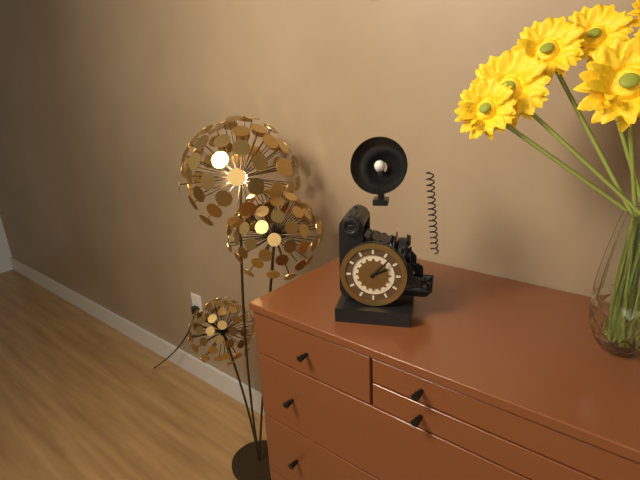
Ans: 2:07
